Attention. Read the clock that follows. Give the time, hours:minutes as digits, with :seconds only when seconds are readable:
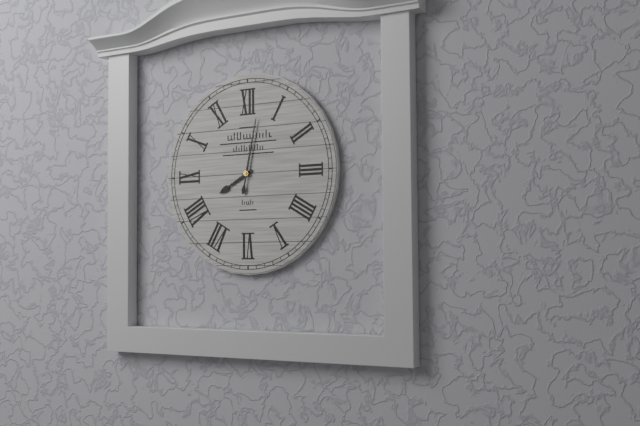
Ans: 8:02
